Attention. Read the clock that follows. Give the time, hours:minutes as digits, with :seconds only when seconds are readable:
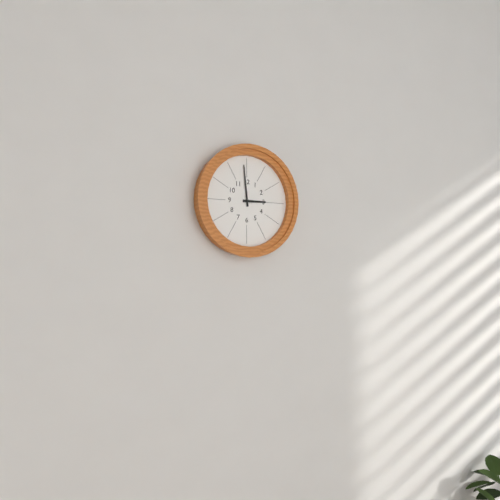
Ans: 2:59
